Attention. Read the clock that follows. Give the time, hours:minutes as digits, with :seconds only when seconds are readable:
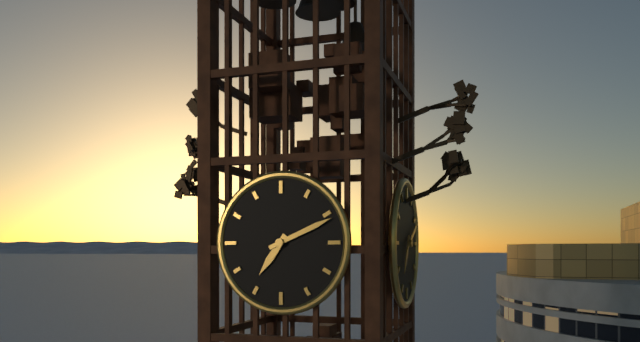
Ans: 7:11
